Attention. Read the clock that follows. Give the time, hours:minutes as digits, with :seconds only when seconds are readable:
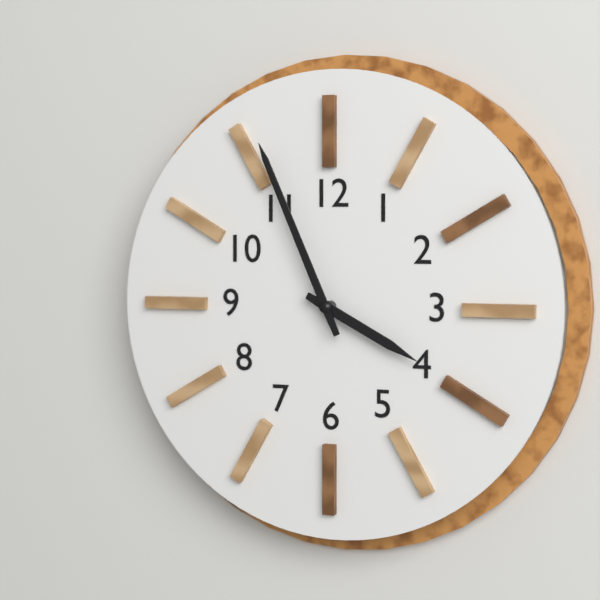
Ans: 3:56
